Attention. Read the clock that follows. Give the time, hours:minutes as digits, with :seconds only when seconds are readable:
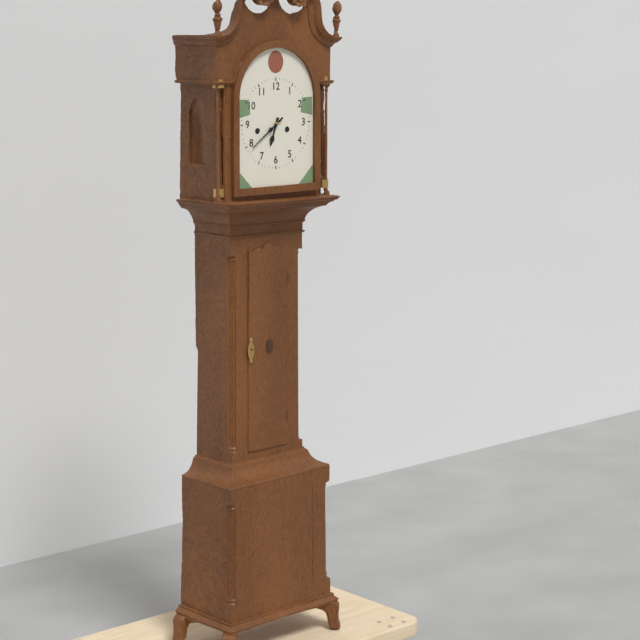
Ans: 6:39
